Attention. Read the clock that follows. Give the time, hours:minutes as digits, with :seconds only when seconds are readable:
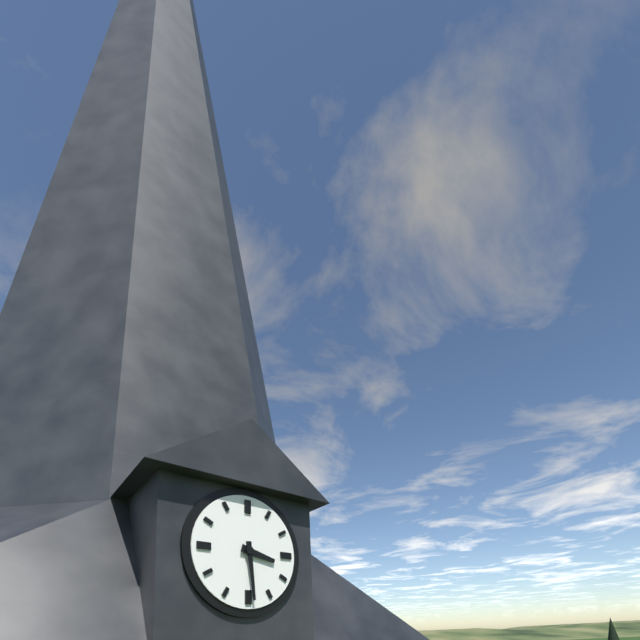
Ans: 3:29
